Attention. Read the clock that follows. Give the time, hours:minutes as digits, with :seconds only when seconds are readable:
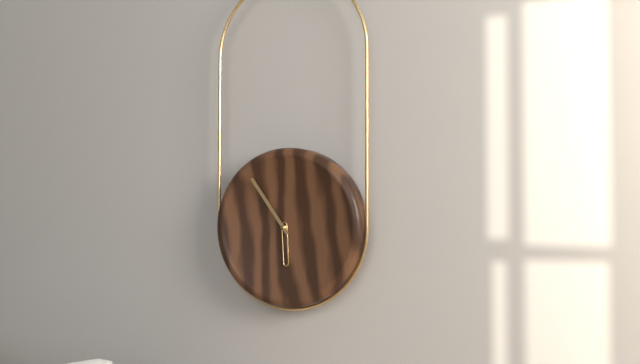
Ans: 5:54
